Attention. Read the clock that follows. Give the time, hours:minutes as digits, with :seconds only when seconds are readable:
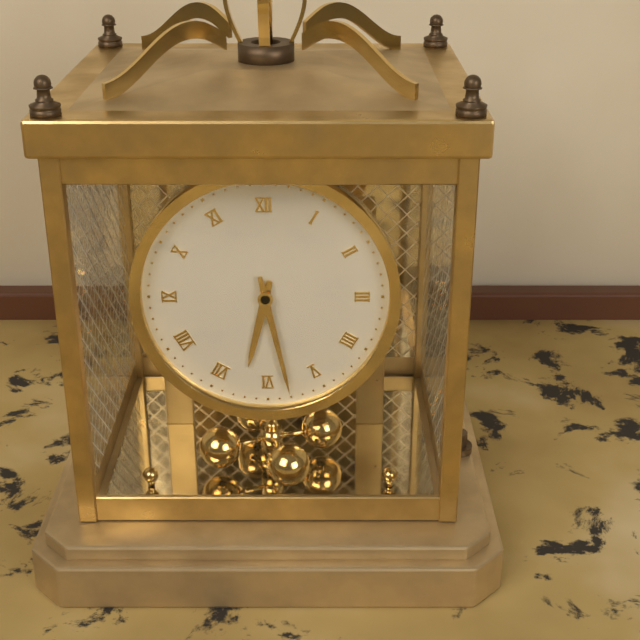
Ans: 6:28
